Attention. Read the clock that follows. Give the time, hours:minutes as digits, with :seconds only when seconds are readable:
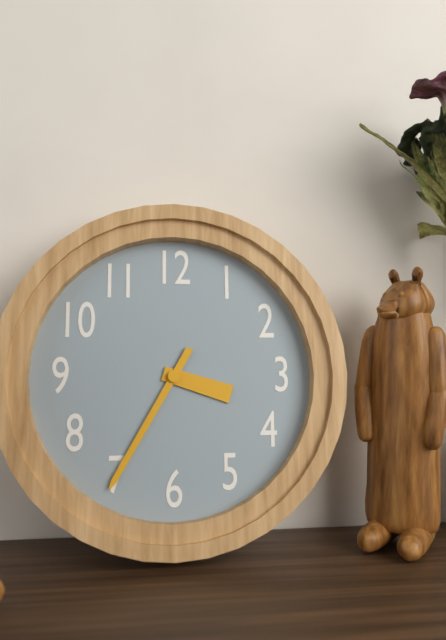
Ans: 3:35
